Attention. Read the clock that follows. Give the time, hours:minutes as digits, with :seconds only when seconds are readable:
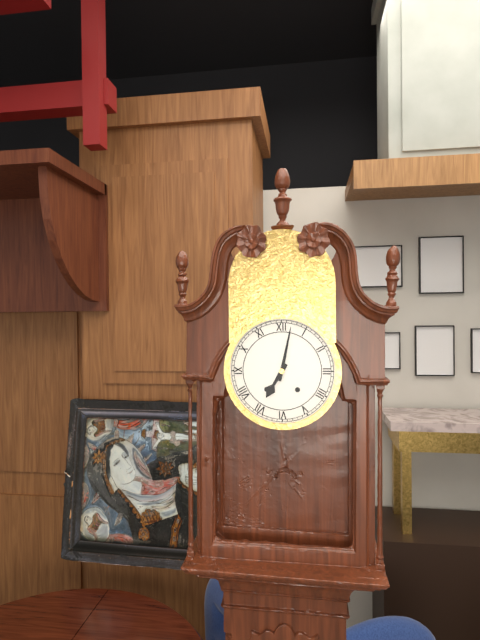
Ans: 7:02
